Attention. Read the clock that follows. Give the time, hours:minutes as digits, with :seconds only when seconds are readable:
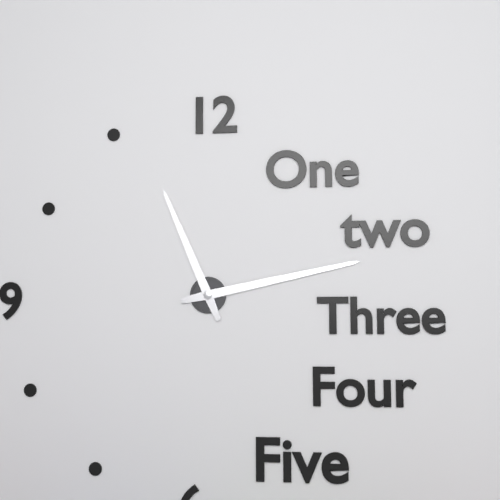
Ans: 11:13
